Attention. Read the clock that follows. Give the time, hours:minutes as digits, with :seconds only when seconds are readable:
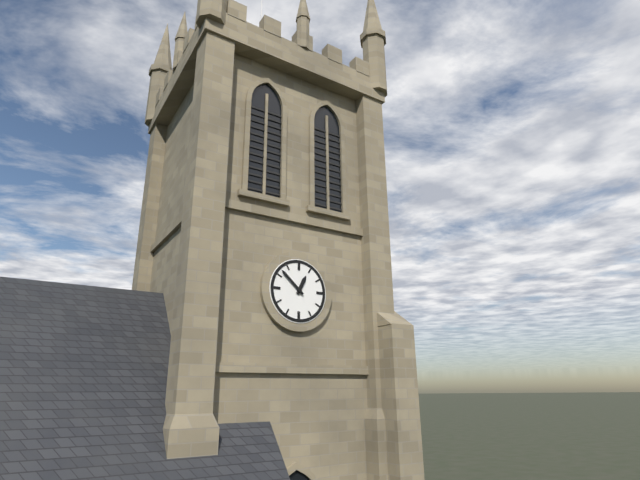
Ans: 12:52
